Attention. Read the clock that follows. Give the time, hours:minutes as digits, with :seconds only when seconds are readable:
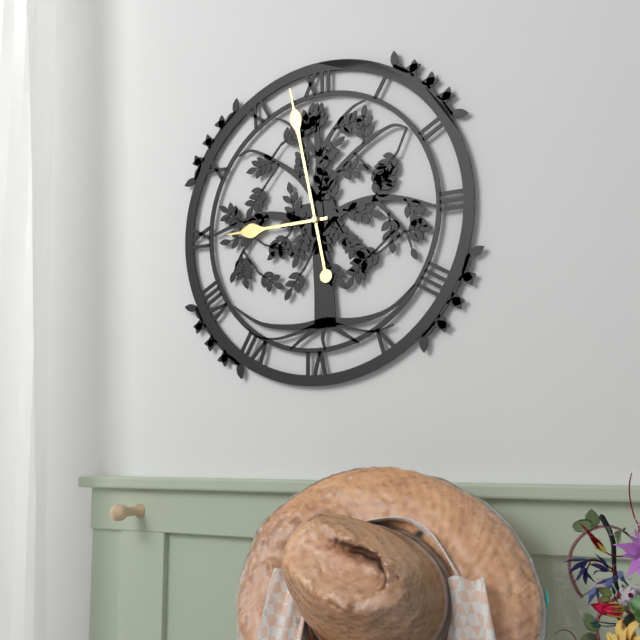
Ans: 8:58
